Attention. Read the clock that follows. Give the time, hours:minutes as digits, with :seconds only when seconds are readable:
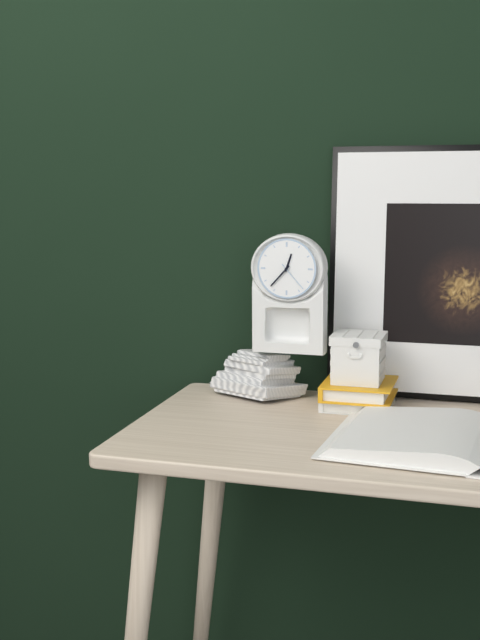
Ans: 12:37
